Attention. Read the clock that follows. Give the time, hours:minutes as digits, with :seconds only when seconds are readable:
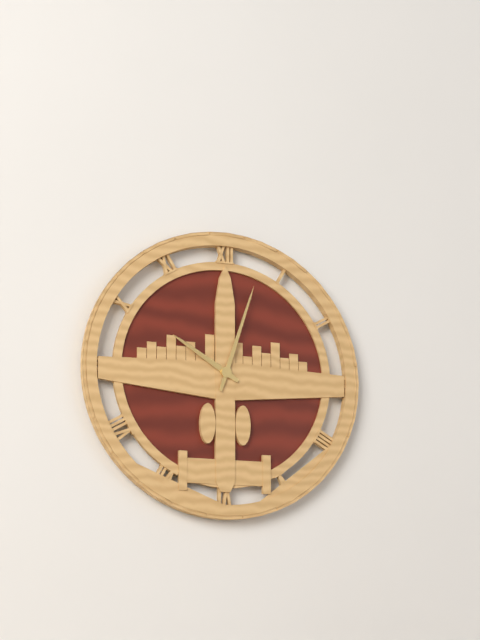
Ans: 10:03
